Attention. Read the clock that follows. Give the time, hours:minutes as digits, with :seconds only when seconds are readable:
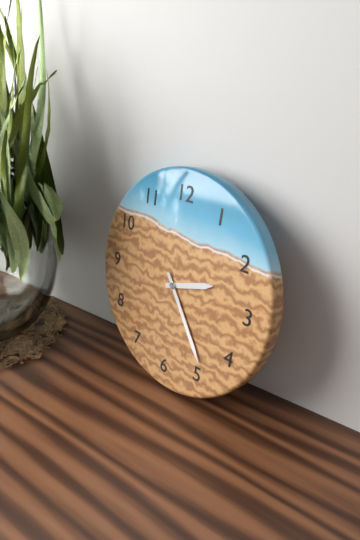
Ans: 2:24
